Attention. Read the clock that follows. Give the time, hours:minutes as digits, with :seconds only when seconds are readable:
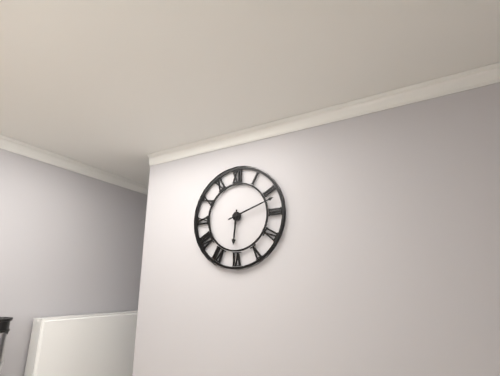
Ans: 6:12
